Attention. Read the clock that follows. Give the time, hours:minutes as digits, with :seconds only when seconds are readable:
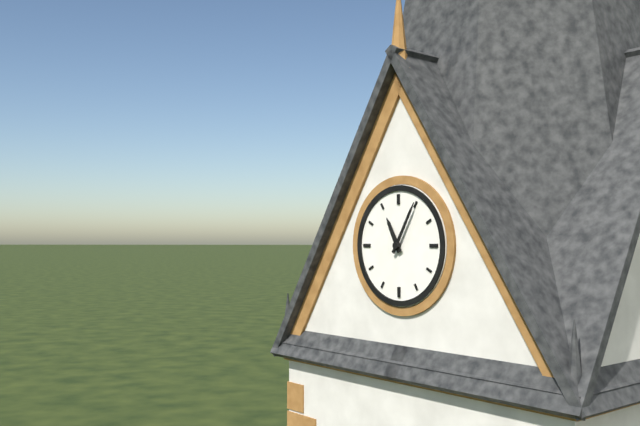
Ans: 11:05
